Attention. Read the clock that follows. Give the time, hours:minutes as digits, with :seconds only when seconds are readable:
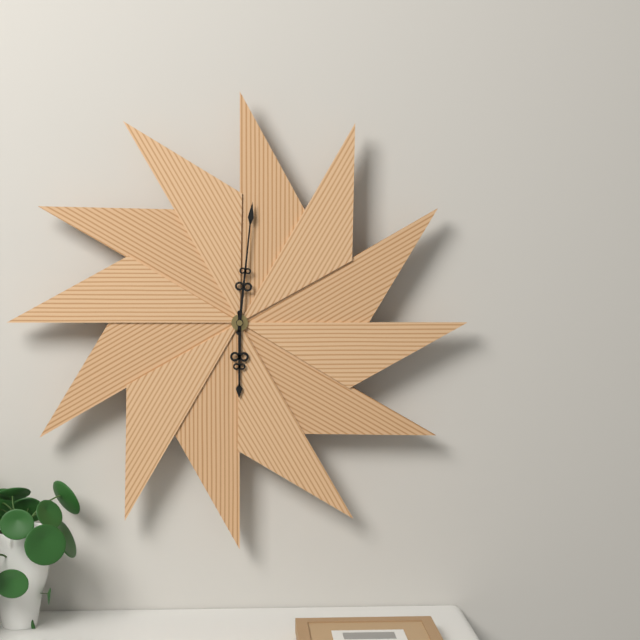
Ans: 6:01
